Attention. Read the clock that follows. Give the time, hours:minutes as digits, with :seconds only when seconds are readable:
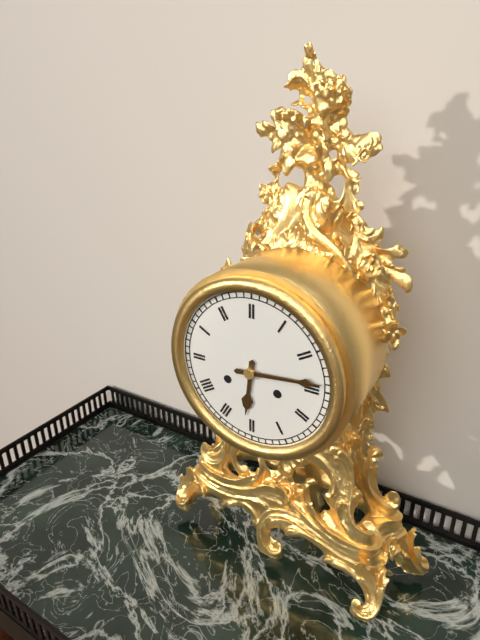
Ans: 6:14
